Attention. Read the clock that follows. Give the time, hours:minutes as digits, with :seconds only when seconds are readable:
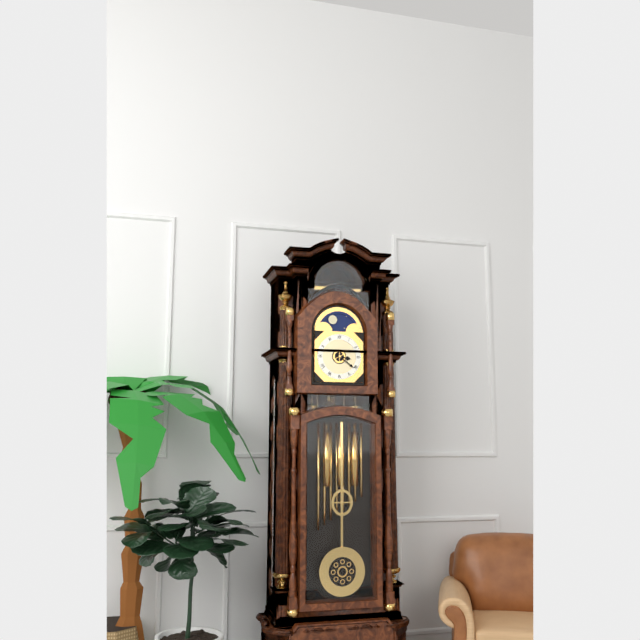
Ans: 3:21
